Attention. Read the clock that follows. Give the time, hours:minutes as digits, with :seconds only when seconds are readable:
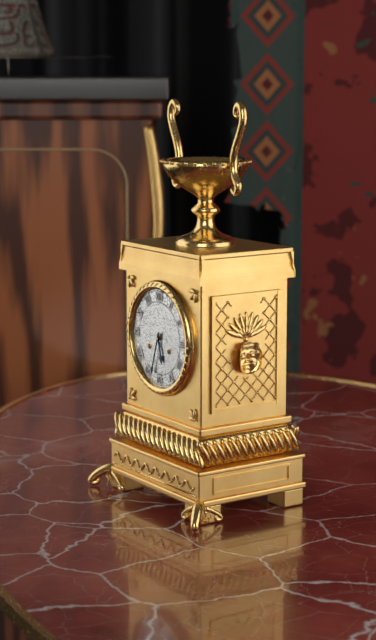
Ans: 5:33
